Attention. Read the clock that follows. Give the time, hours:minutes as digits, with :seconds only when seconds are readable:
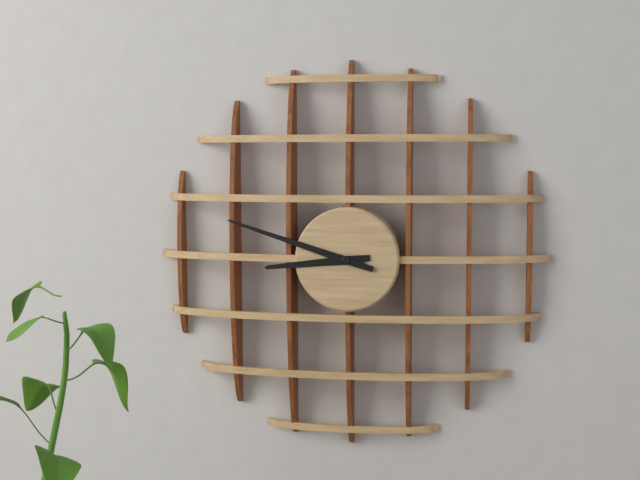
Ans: 8:48
